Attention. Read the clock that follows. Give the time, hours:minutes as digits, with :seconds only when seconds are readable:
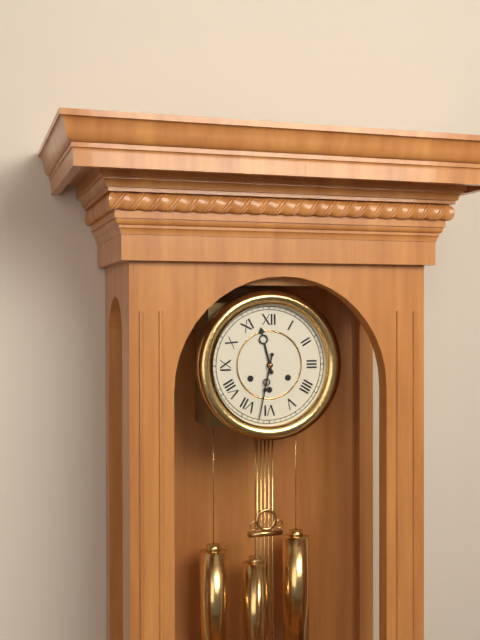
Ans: 11:32
